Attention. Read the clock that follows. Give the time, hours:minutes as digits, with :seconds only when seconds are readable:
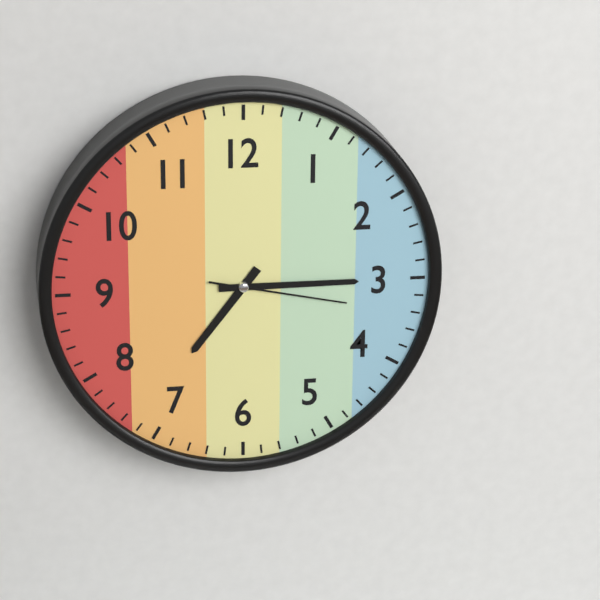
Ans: 7:15:17
